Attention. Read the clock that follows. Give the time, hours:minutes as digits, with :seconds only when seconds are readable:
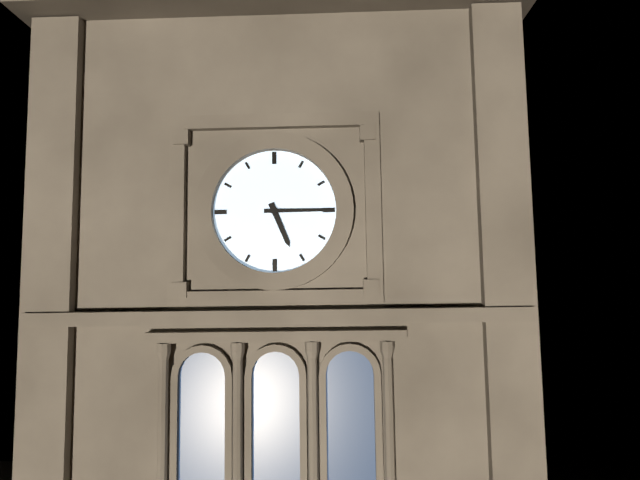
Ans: 5:15
